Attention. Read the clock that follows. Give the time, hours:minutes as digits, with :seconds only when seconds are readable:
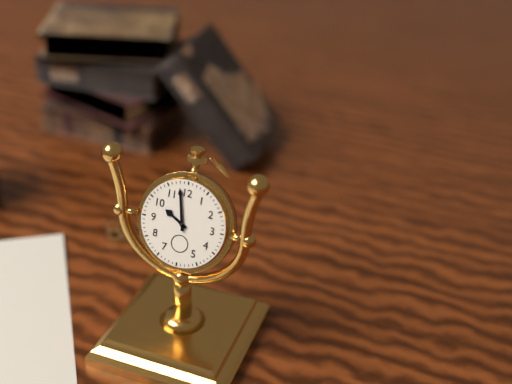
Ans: 9:58
